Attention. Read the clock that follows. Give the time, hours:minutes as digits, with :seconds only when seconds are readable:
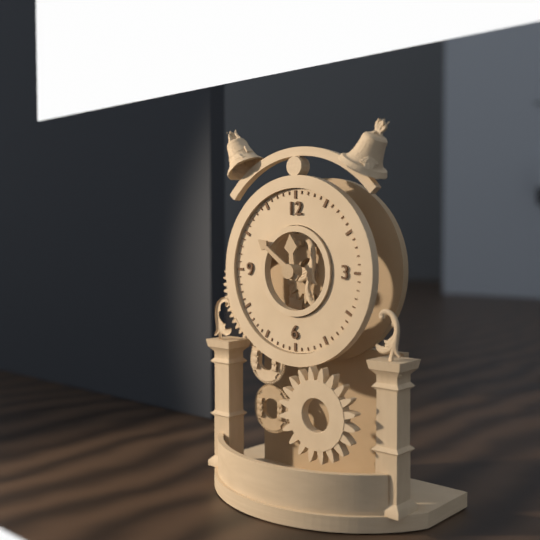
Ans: 11:51
